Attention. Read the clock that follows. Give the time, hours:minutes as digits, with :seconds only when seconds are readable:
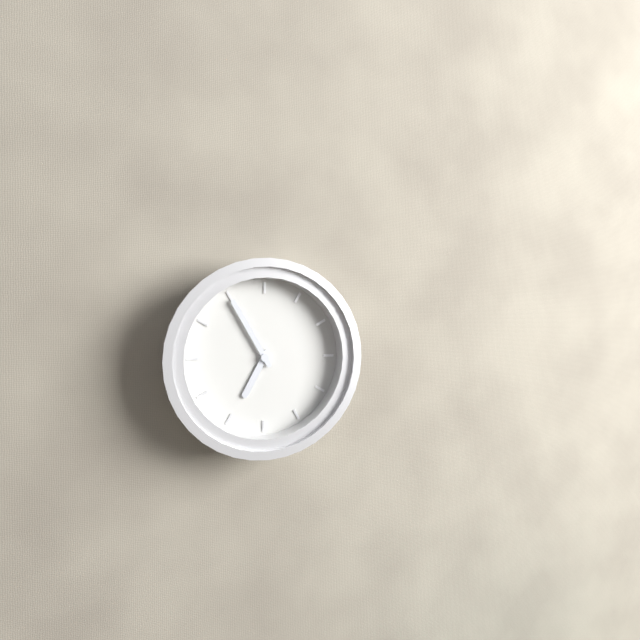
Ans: 6:55
